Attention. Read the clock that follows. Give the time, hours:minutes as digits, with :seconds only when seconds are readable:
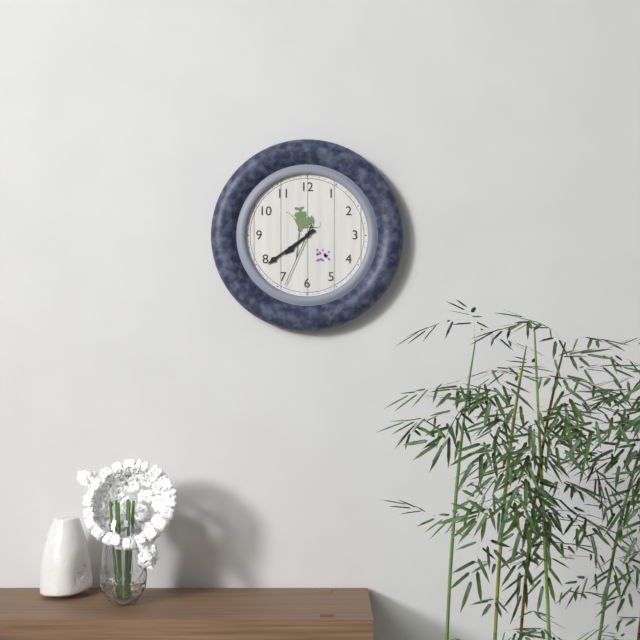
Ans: 7:39:34
